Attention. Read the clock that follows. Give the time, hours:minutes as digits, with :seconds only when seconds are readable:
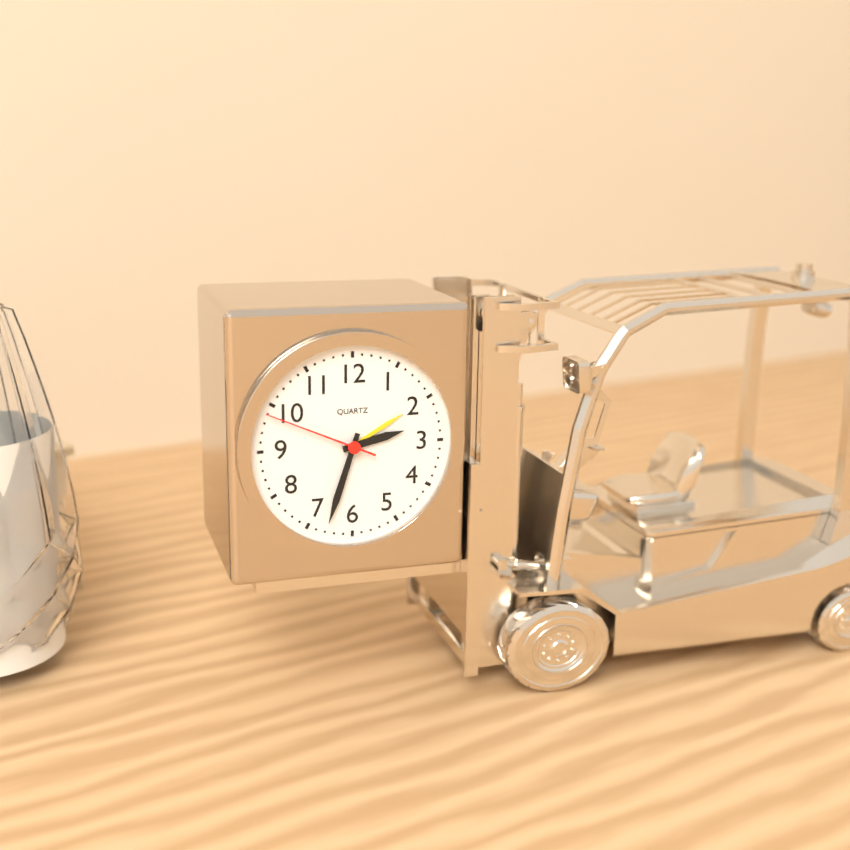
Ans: 2:33:49
